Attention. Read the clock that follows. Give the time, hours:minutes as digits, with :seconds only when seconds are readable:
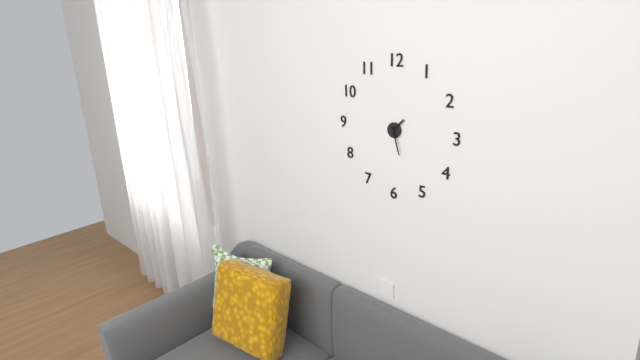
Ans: 1:27
